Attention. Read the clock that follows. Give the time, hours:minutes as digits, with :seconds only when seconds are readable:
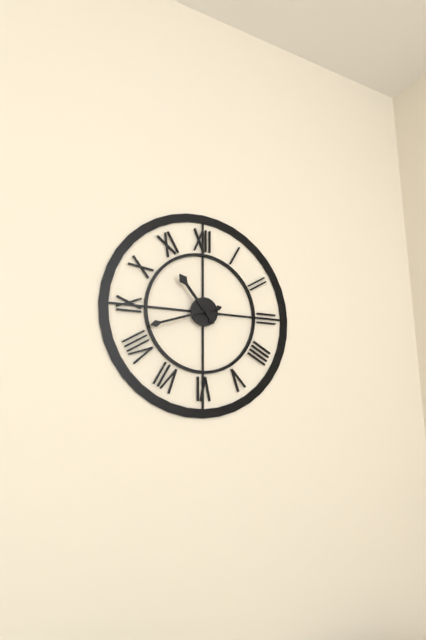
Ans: 10:42
